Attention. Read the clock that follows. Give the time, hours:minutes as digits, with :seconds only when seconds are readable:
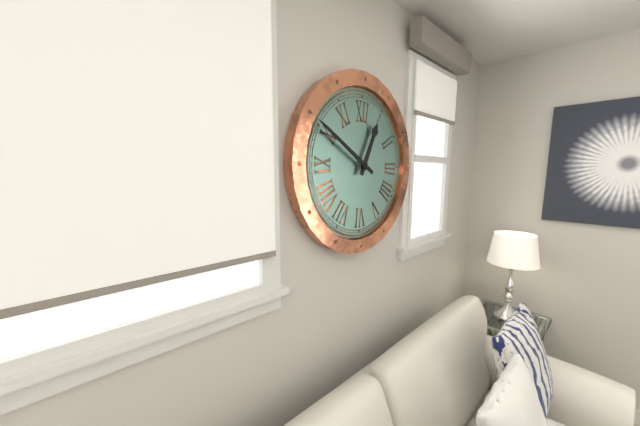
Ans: 12:50
